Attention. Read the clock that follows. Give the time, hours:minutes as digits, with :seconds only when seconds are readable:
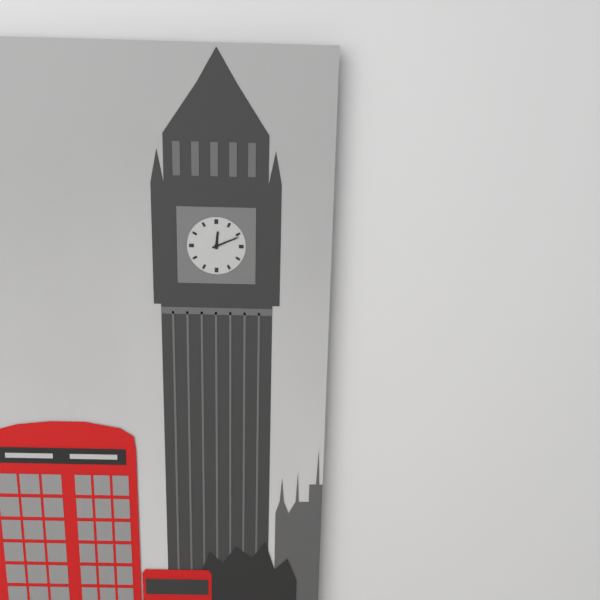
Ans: 12:11
